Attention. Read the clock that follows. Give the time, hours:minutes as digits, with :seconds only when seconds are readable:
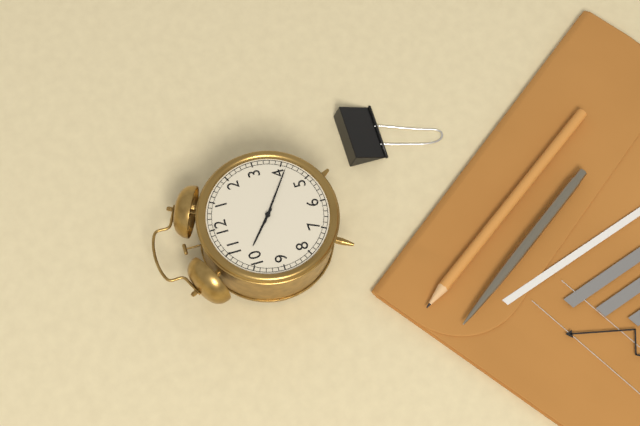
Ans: 10:21
